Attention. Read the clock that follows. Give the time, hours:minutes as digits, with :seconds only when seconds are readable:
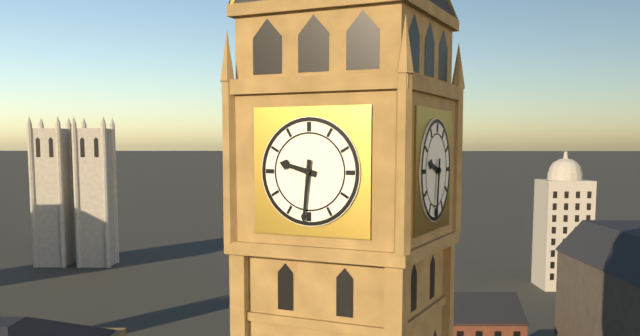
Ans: 9:31
